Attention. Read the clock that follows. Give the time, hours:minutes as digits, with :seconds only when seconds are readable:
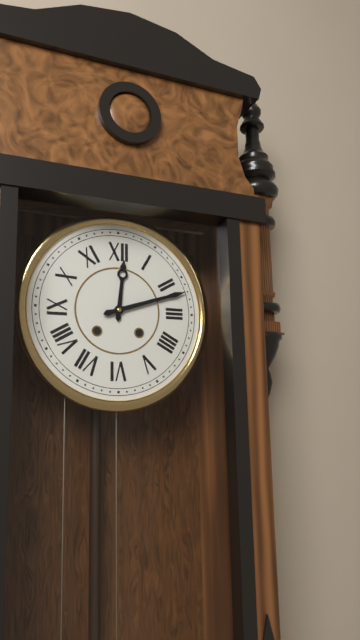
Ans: 12:12
